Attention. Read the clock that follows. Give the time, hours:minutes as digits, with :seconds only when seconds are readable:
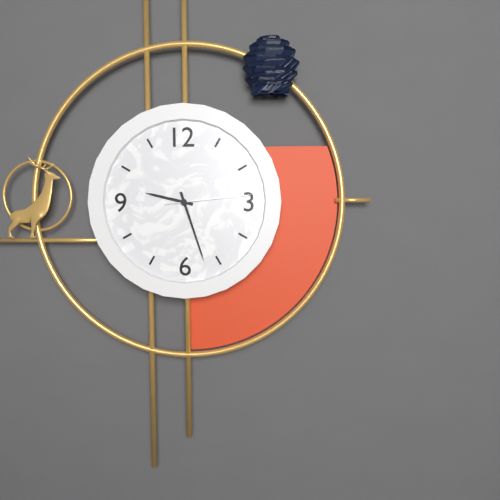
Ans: 9:27:14
